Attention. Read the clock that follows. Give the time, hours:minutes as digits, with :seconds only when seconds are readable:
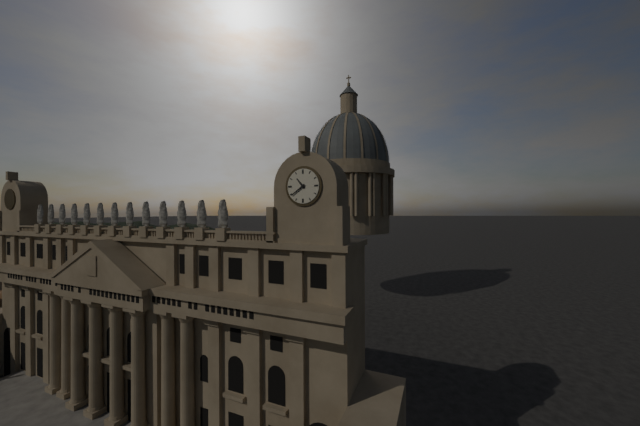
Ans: 10:39
